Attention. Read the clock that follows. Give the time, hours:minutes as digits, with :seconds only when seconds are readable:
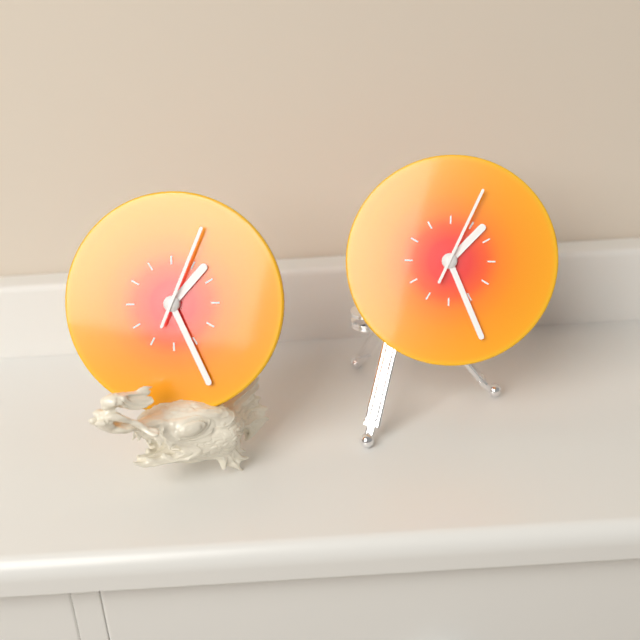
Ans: 1:26:04
